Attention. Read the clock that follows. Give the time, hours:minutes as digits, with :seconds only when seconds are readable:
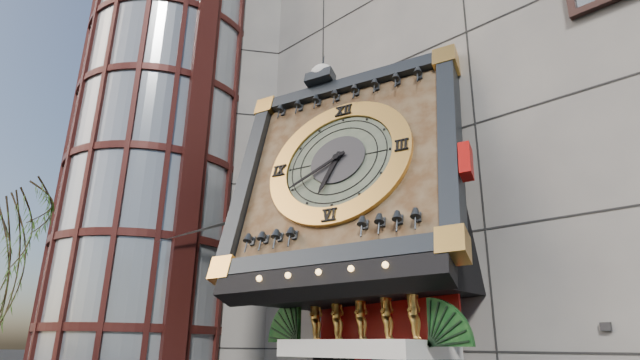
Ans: 6:40
